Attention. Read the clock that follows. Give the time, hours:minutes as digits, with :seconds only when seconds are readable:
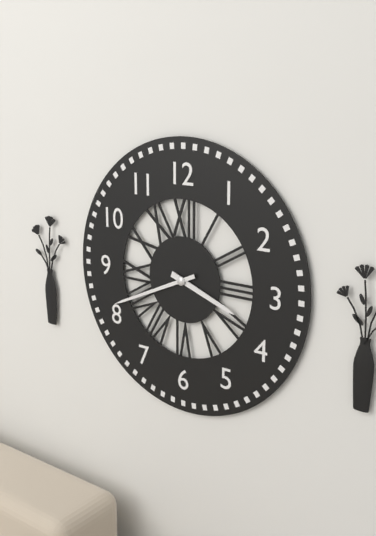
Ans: 3:41
